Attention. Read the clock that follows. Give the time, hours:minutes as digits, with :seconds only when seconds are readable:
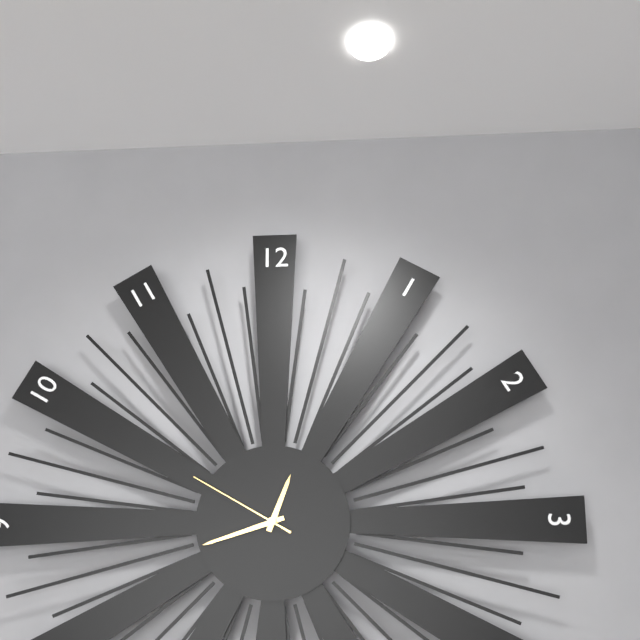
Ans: 12:42:50
